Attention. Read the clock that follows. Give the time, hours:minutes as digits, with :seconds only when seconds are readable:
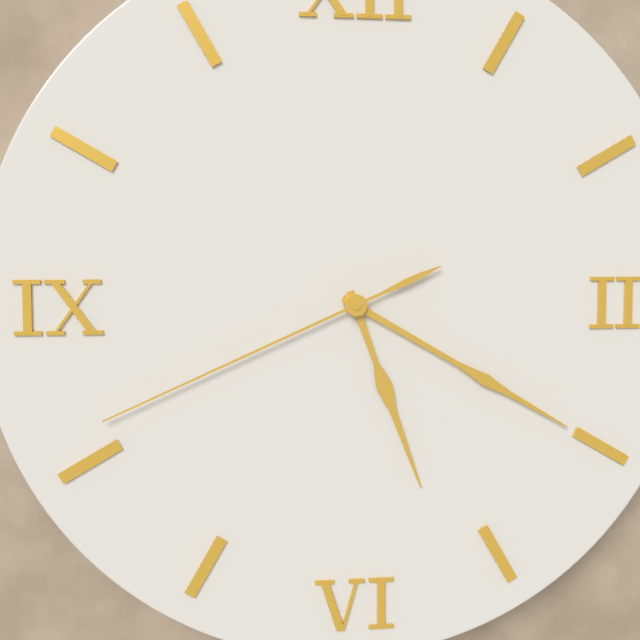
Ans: 5:20:41
